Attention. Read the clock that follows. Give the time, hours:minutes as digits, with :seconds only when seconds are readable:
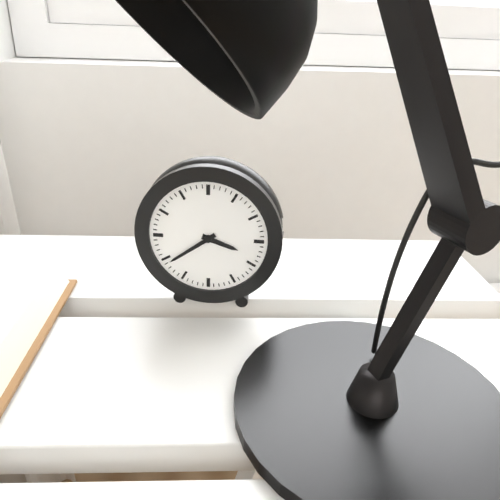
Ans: 3:39
